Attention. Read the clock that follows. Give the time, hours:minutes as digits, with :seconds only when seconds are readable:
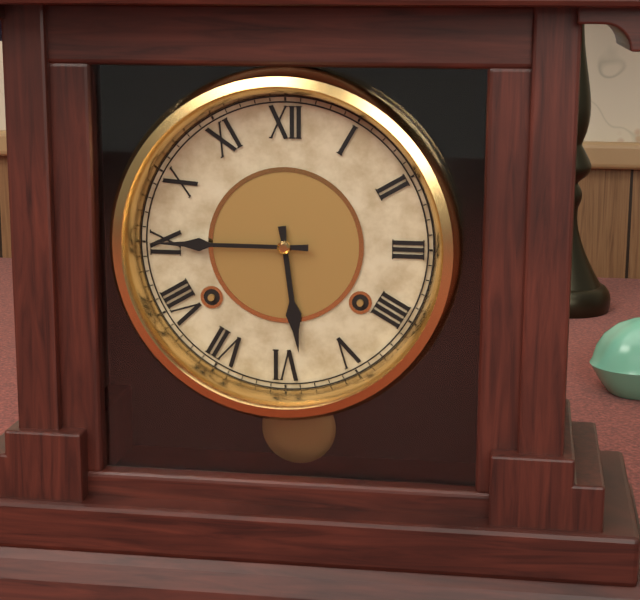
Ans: 5:45
